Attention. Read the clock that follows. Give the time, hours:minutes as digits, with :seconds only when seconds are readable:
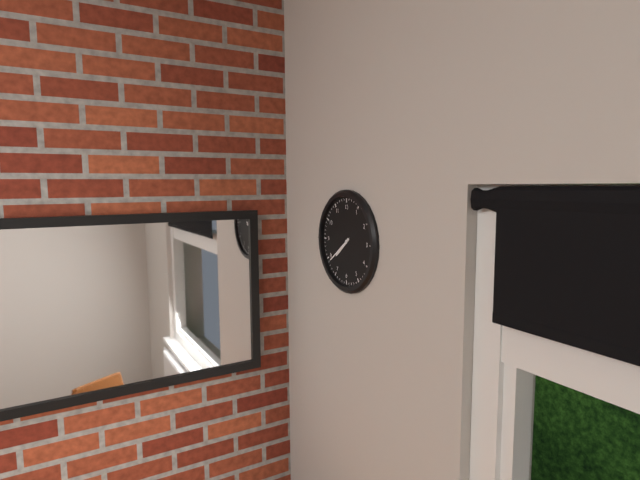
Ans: 7:39
